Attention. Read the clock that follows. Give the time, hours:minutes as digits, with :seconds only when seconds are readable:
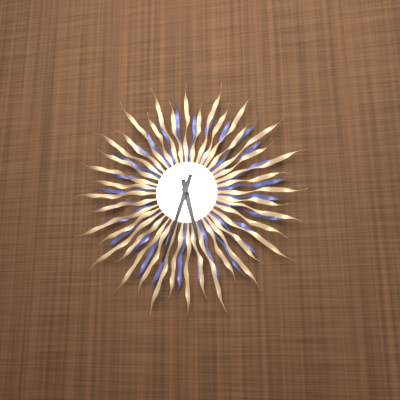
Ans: 5:33
